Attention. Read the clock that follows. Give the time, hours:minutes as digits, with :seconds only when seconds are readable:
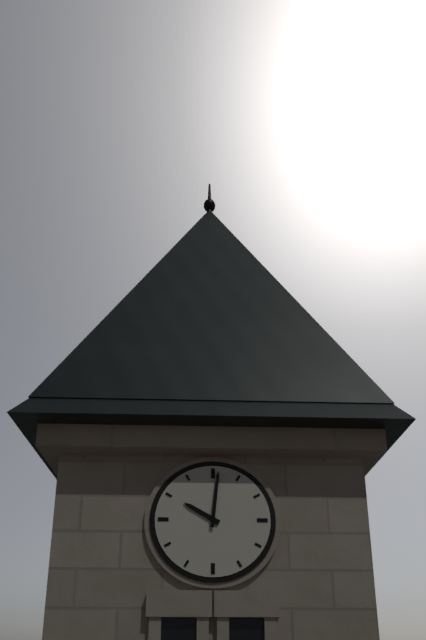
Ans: 10:01
